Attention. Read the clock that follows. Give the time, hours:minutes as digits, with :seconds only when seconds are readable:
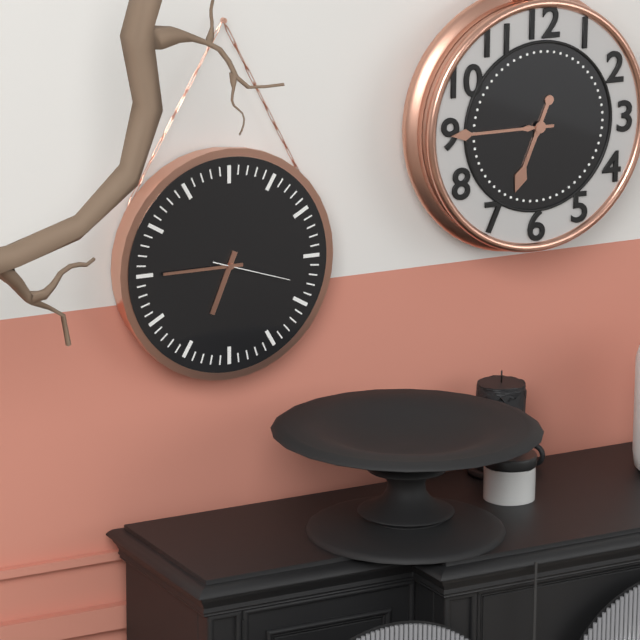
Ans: 6:45:18
